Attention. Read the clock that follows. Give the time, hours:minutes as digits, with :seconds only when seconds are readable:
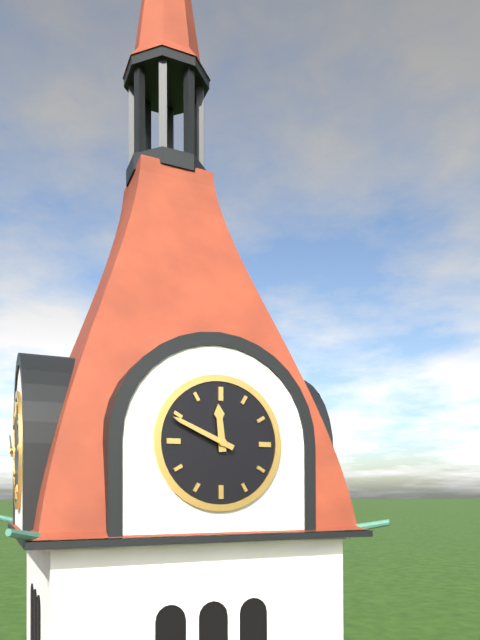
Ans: 11:49
